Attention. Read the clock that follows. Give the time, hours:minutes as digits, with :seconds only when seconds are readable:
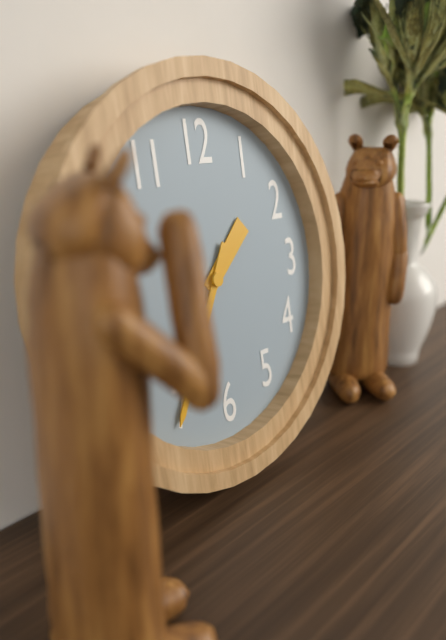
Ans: 1:35
